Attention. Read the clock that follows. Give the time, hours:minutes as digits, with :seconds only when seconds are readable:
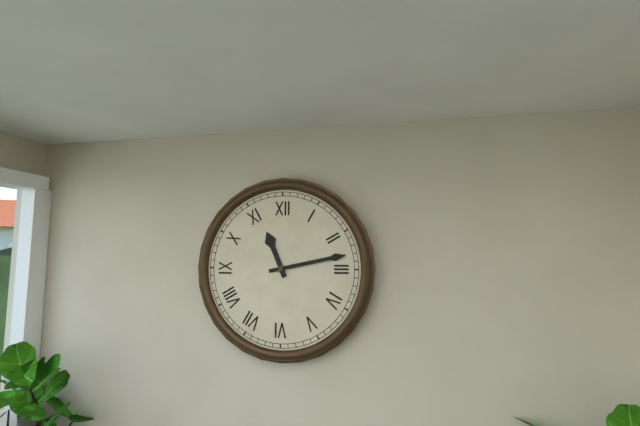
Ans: 11:13
